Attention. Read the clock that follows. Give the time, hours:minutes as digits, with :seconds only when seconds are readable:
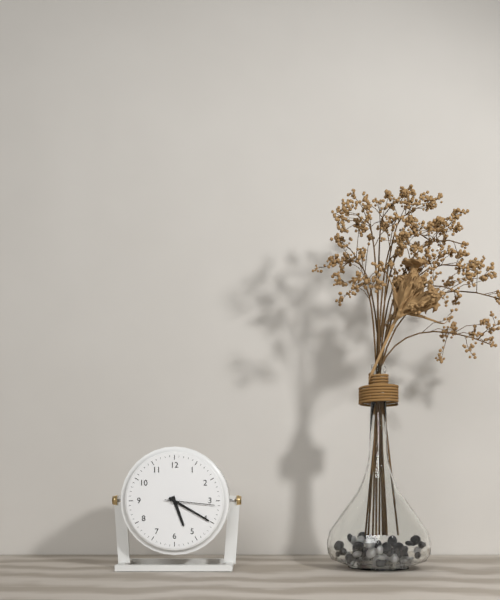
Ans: 5:20:16
